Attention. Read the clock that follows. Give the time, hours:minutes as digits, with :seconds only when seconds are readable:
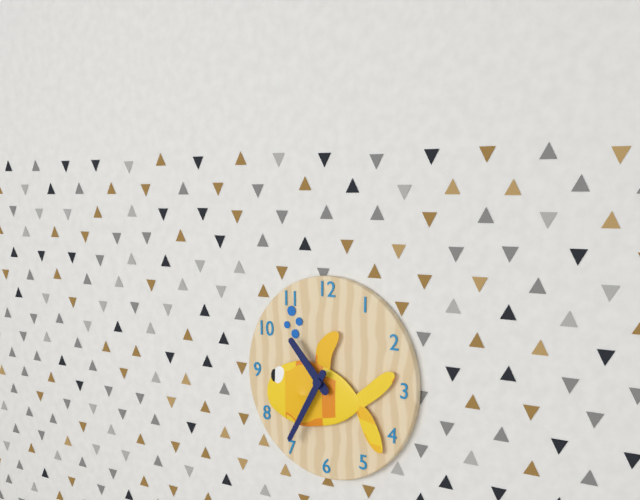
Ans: 10:35
